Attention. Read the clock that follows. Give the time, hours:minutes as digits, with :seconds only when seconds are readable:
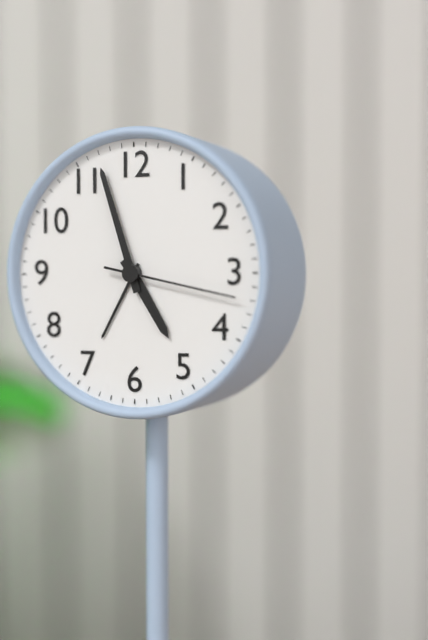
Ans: 4:57:17
